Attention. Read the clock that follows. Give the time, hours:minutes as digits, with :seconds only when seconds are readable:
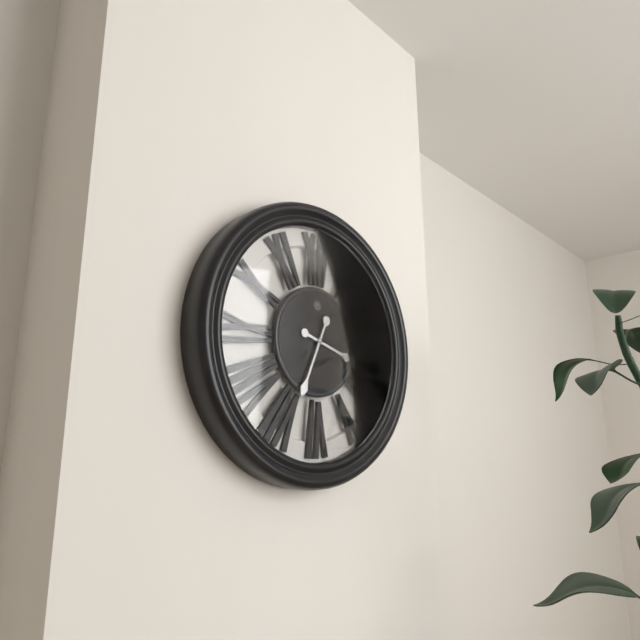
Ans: 3:34
